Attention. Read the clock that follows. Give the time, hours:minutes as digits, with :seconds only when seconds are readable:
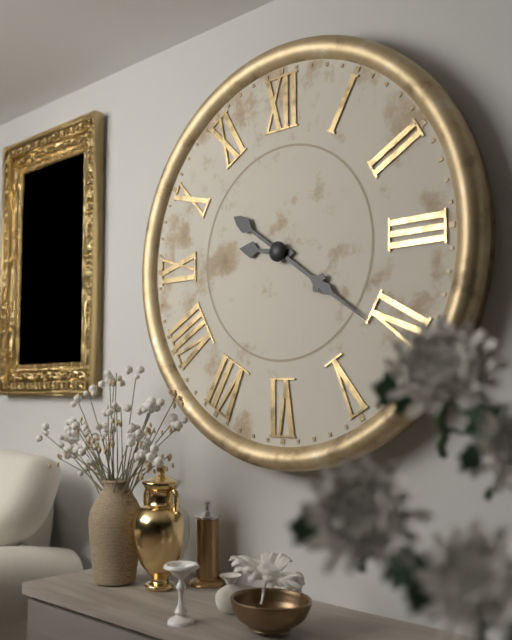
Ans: 9:21
